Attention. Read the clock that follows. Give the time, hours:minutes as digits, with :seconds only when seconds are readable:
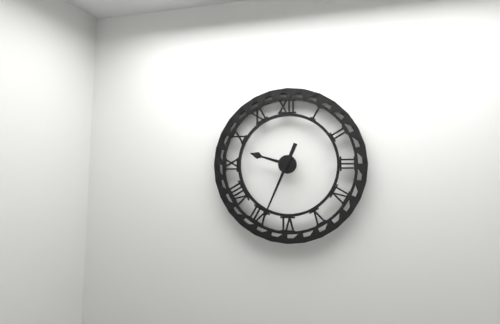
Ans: 9:34
